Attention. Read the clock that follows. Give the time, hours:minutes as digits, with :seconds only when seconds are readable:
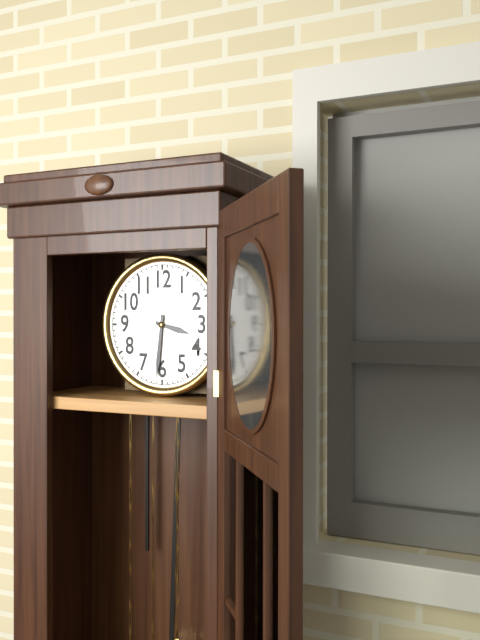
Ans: 3:31
